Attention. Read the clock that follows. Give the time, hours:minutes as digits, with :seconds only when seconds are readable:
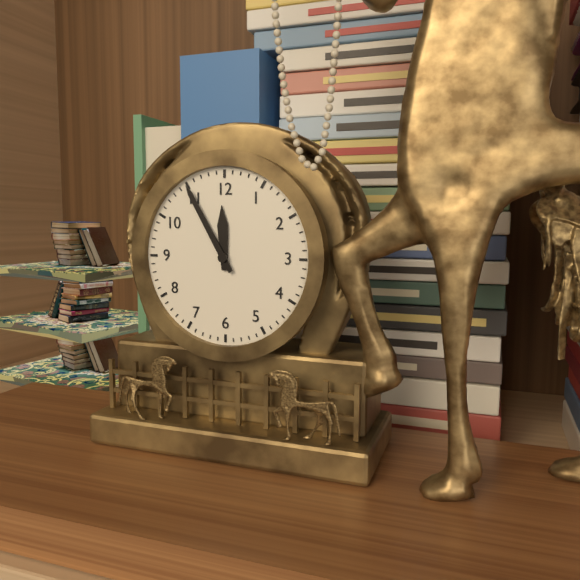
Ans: 11:55
